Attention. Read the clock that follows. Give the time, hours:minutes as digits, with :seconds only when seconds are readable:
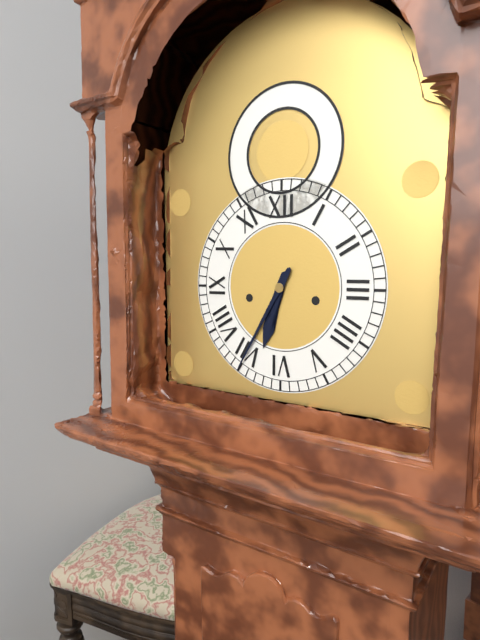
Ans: 6:35
